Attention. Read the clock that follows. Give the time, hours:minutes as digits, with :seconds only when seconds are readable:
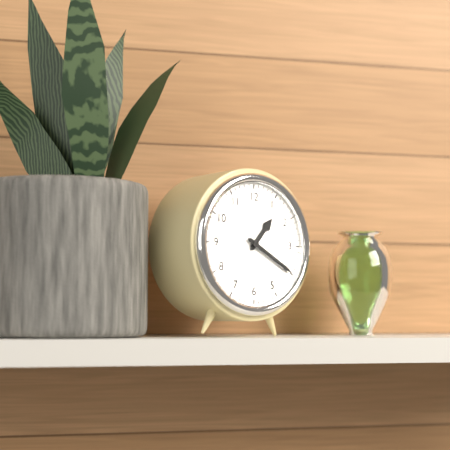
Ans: 1:20
